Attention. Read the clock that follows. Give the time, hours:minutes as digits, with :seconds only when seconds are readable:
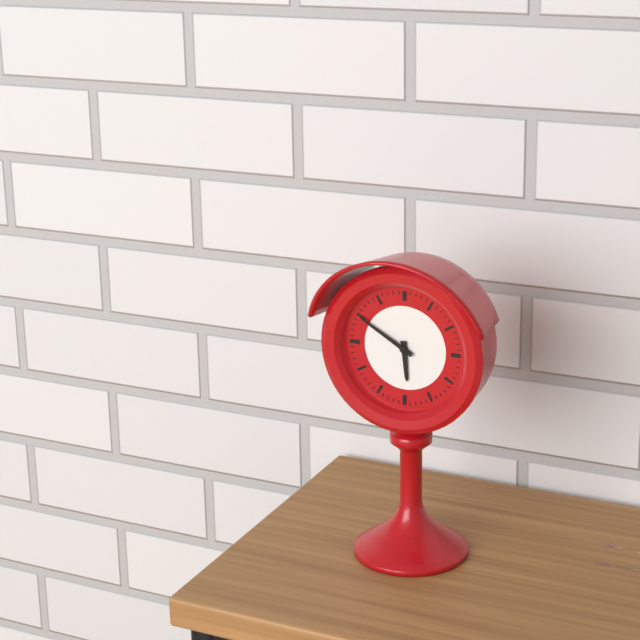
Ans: 5:50
